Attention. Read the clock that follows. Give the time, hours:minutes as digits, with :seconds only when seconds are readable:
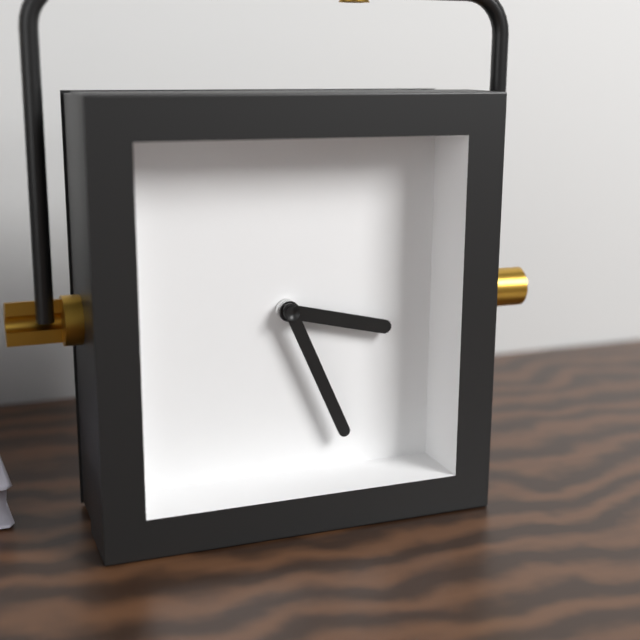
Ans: 3:26
